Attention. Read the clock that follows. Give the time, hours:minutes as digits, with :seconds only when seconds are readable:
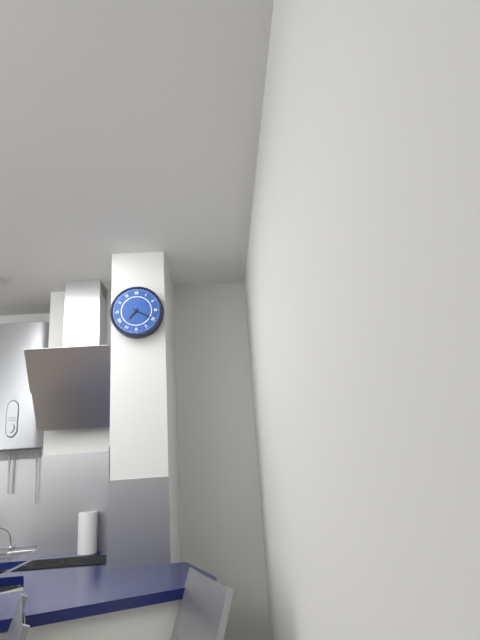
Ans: 7:20
